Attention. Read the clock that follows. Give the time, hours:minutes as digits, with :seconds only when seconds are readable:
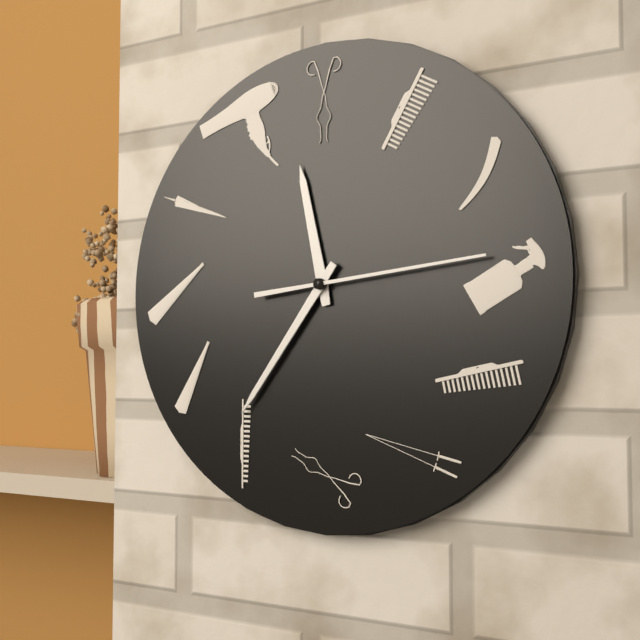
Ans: 11:36:14
